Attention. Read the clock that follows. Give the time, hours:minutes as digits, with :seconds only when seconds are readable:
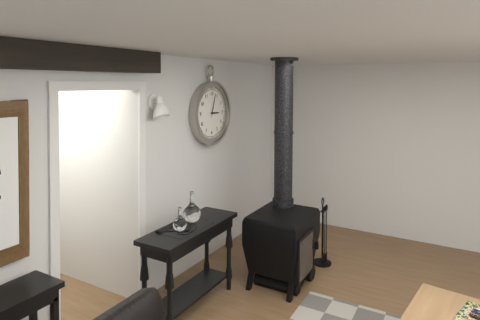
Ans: 3:03
